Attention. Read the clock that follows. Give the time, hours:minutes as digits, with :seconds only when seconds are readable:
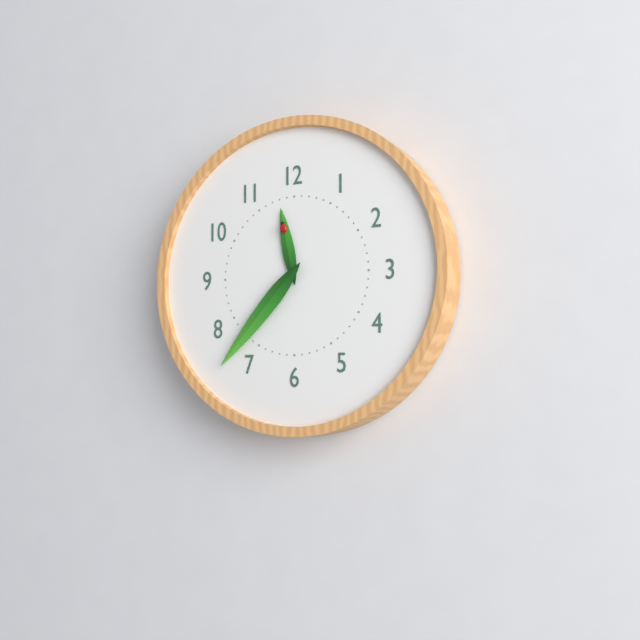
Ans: 11:37
